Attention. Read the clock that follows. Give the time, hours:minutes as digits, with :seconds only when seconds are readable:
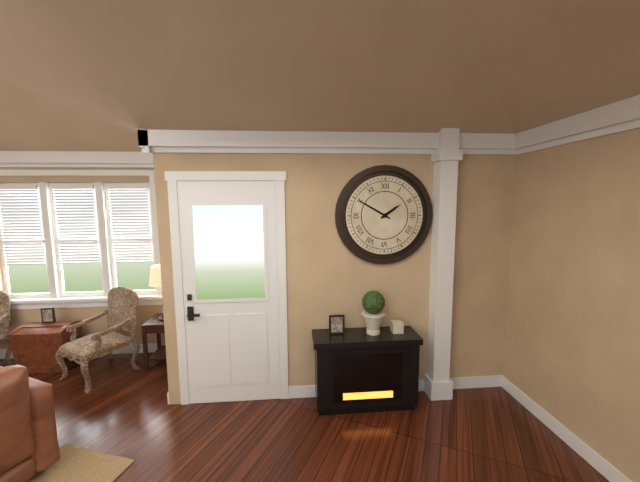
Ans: 1:50
